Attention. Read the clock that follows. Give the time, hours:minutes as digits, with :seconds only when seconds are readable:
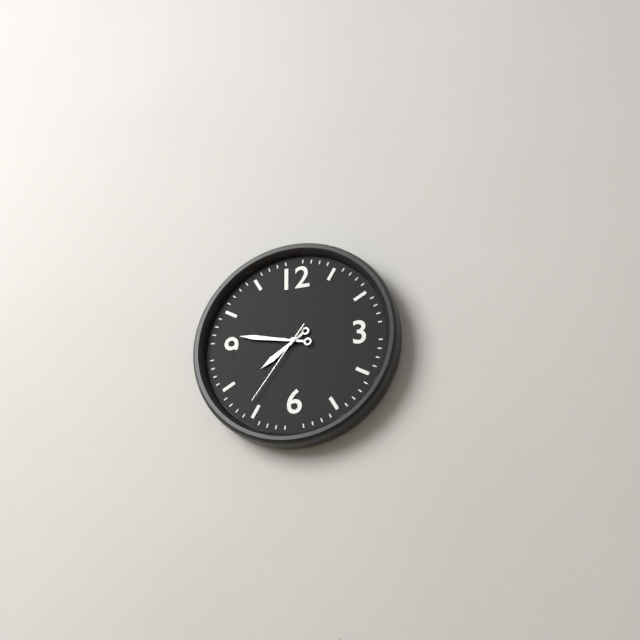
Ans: 7:47:36
